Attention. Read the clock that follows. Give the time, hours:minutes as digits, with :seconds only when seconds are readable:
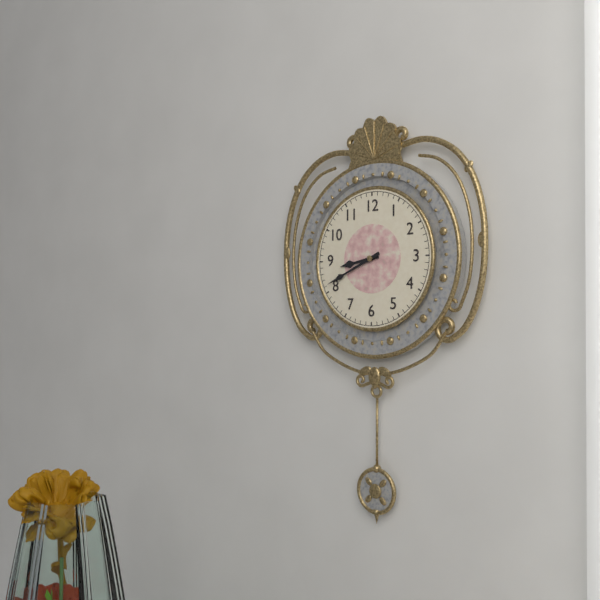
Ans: 8:41
